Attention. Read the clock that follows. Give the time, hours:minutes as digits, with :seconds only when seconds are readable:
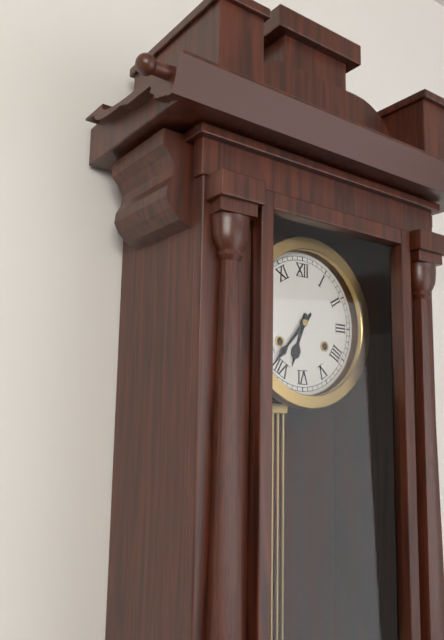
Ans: 6:37
